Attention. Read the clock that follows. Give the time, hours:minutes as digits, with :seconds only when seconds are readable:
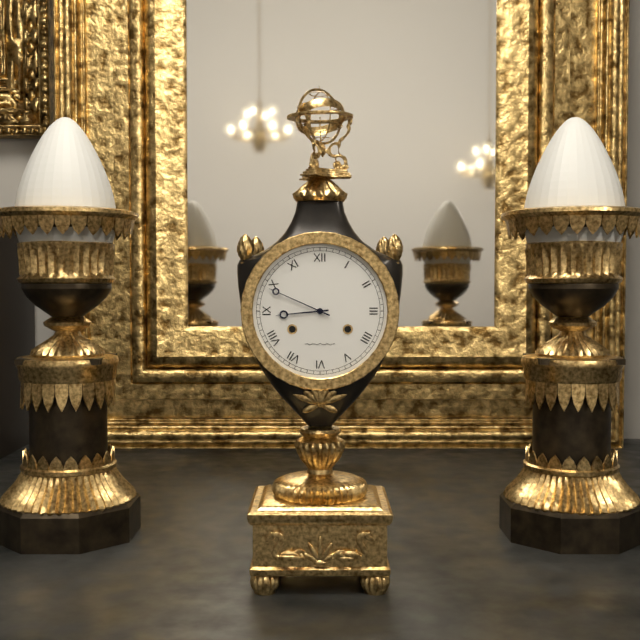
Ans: 8:49
